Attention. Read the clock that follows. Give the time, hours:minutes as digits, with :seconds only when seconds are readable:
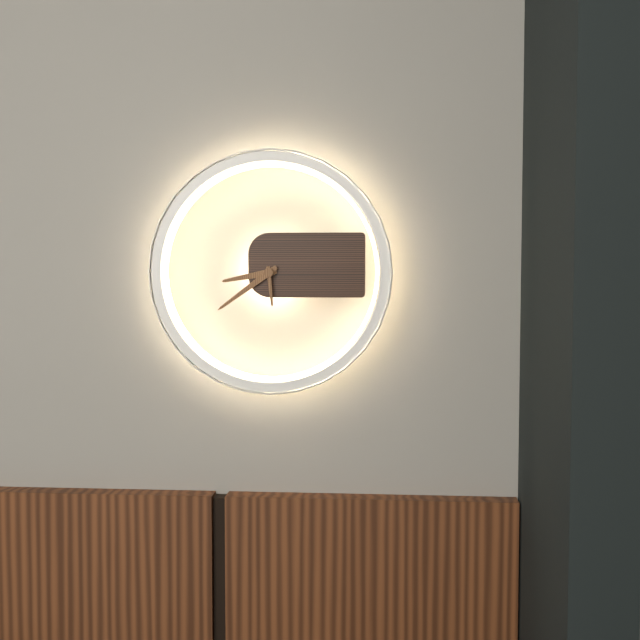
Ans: 8:39
